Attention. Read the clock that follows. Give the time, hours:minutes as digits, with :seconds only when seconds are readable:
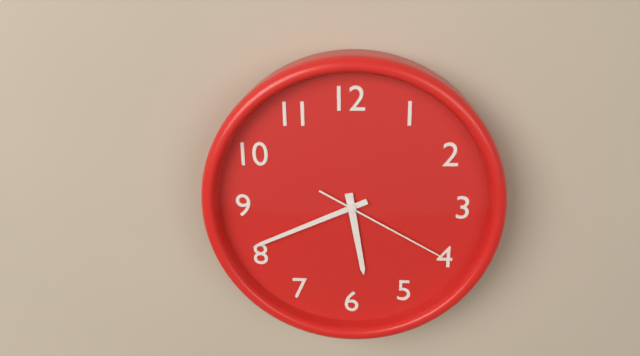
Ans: 5:41:20
